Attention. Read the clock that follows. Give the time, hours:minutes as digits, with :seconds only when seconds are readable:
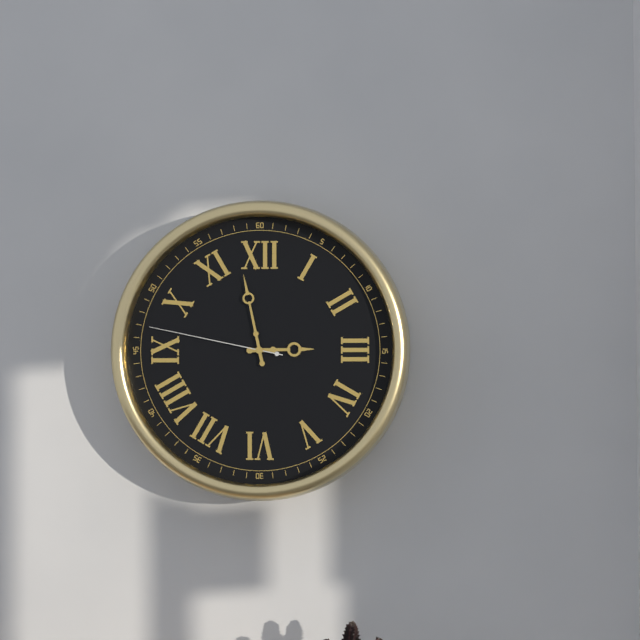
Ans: 2:58:47
